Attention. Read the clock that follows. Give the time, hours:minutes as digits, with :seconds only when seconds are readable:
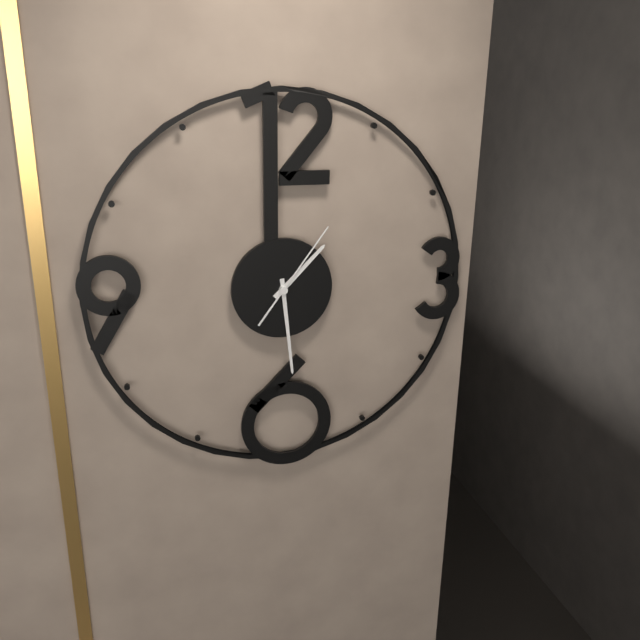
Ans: 1:29:06
